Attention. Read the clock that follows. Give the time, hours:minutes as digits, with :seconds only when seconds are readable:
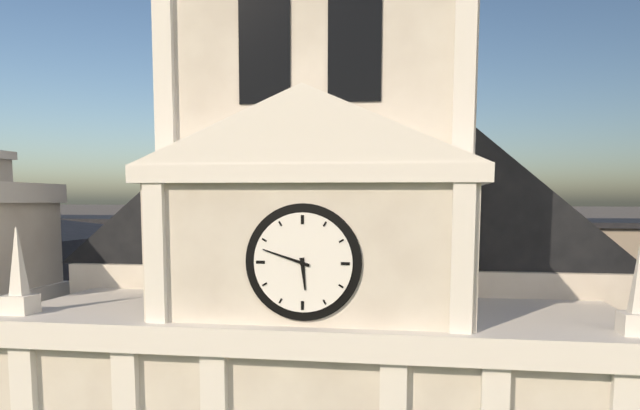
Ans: 5:48
